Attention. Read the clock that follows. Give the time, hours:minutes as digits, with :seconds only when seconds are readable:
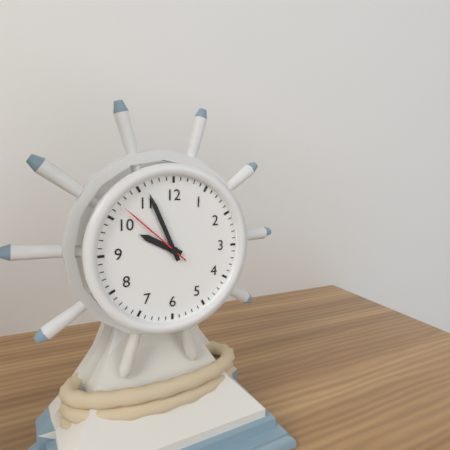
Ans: 9:56:52
